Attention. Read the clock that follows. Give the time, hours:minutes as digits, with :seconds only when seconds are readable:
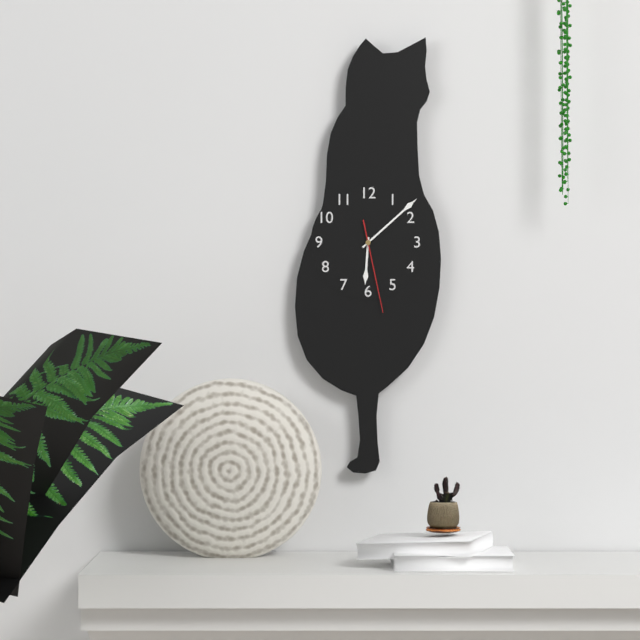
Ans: 6:08:28
